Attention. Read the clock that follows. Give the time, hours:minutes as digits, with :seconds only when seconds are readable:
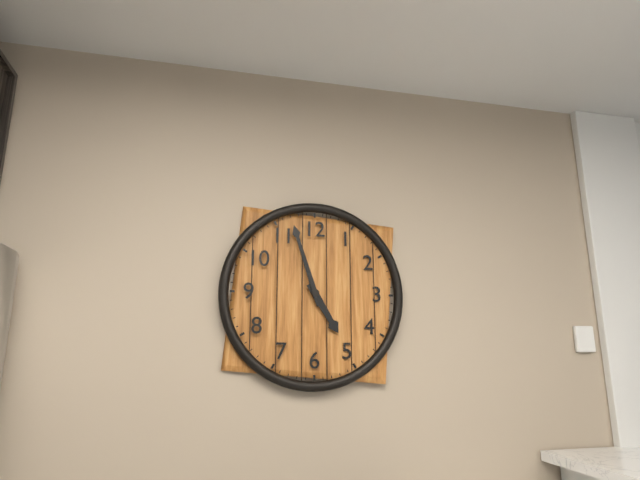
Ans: 4:57
